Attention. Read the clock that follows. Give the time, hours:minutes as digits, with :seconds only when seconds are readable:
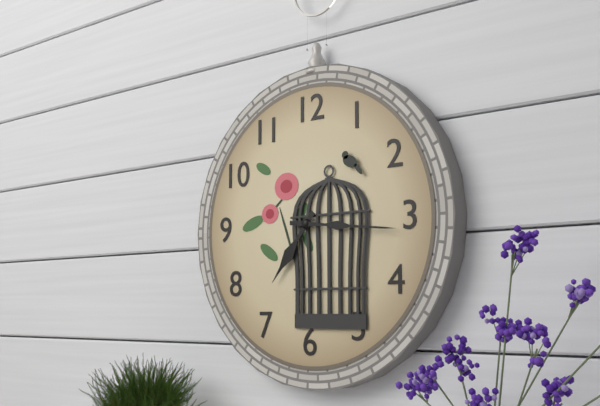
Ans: 7:16
